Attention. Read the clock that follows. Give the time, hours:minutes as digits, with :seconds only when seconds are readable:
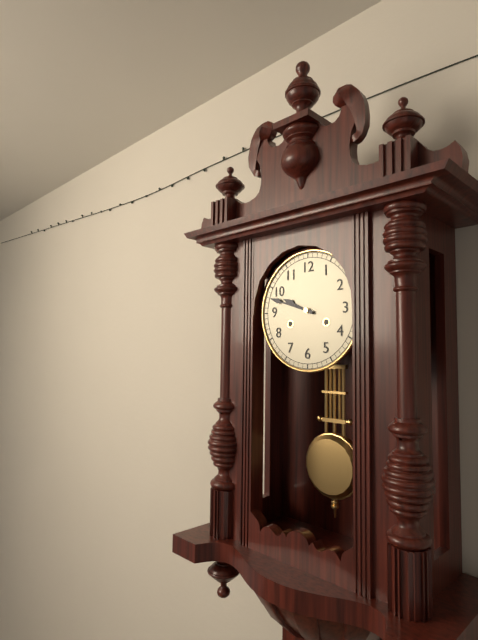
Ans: 9:48
